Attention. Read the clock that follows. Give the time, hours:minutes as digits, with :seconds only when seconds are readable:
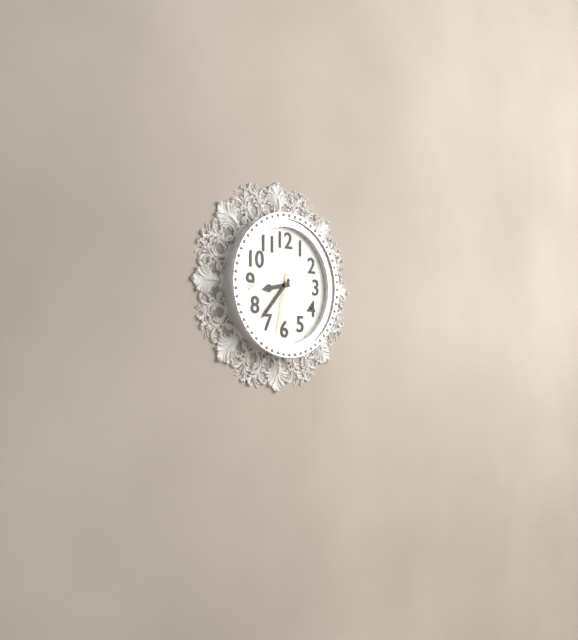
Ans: 8:37:32
